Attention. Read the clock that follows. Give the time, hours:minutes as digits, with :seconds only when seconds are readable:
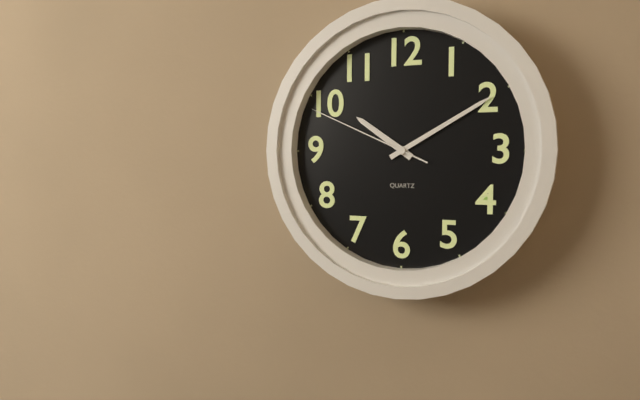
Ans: 10:10:49
